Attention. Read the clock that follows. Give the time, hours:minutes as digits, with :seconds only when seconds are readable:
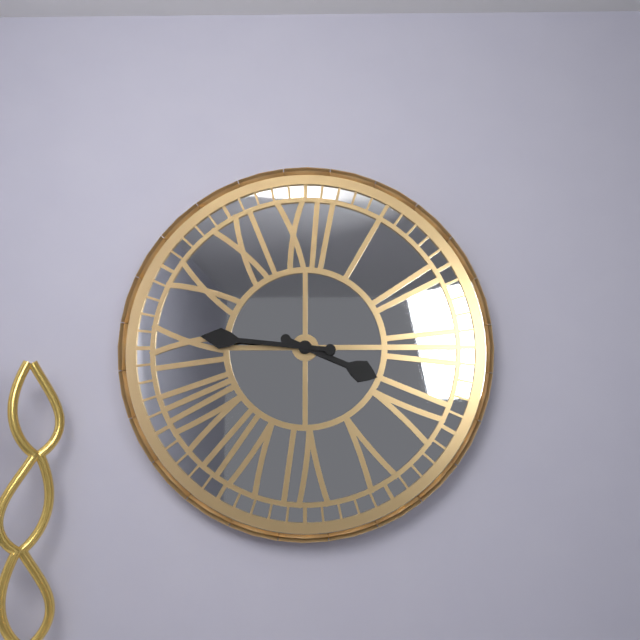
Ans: 3:46
